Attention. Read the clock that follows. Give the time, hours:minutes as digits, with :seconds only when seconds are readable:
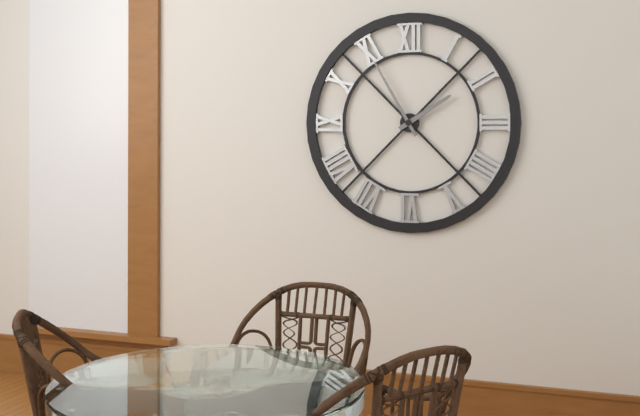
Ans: 1:55
